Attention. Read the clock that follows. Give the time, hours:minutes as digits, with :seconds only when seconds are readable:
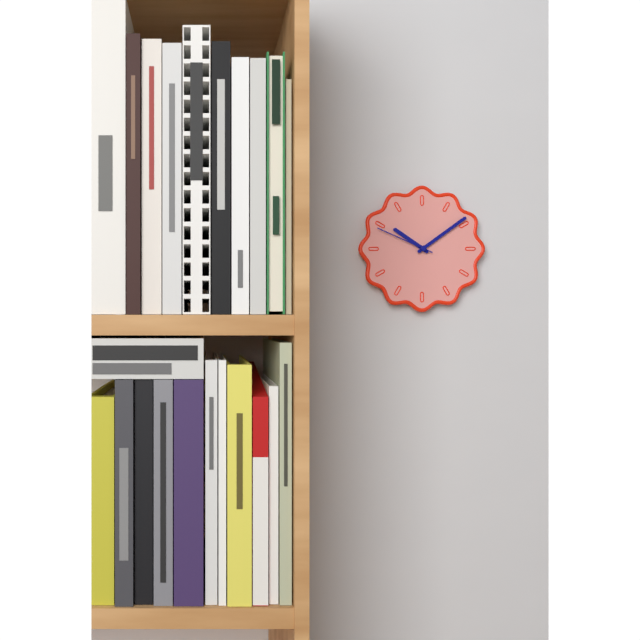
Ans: 10:09:49
